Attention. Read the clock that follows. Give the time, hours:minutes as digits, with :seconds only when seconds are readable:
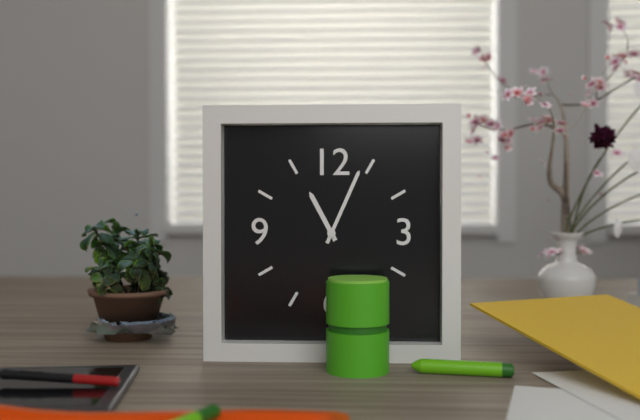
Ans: 11:04
